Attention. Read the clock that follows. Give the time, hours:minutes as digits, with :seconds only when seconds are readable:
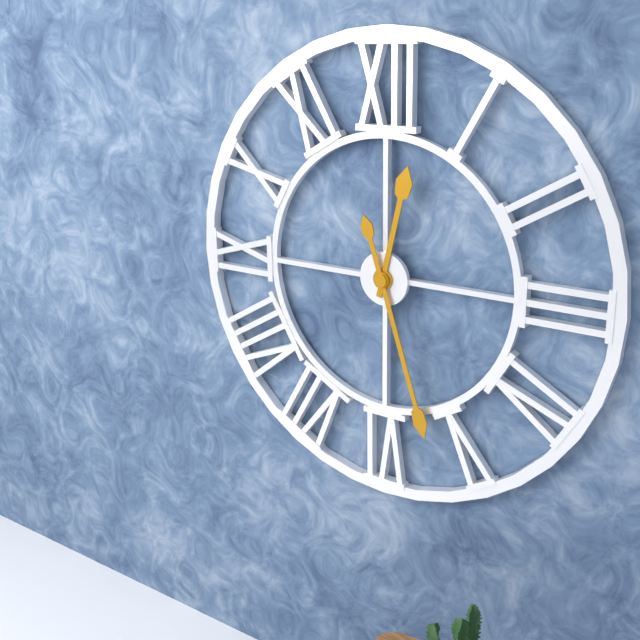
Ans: 12:27
